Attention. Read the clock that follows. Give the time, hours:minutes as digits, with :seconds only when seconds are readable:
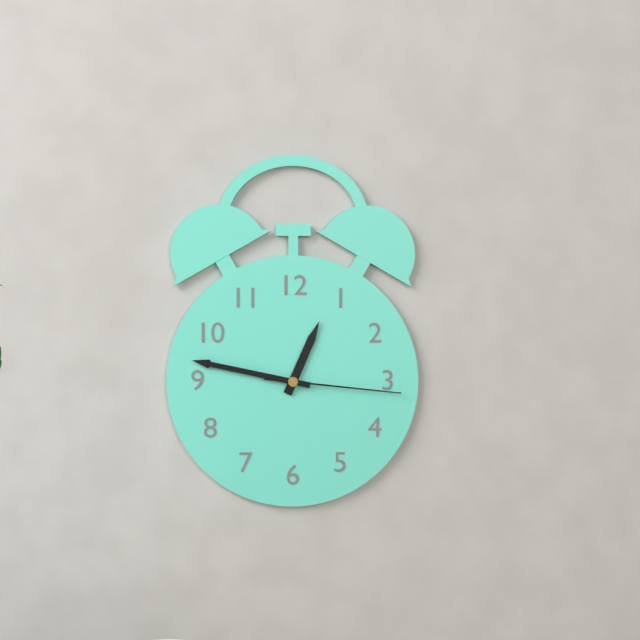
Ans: 12:47:16
